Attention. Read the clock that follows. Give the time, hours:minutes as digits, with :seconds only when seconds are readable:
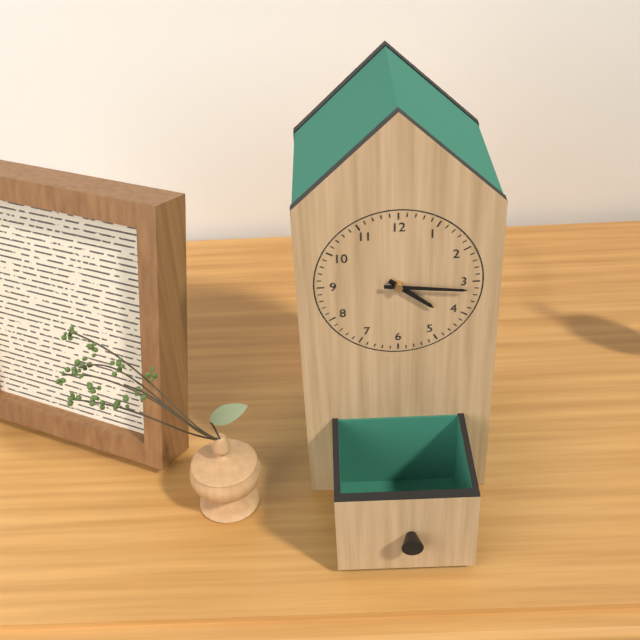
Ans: 4:16
